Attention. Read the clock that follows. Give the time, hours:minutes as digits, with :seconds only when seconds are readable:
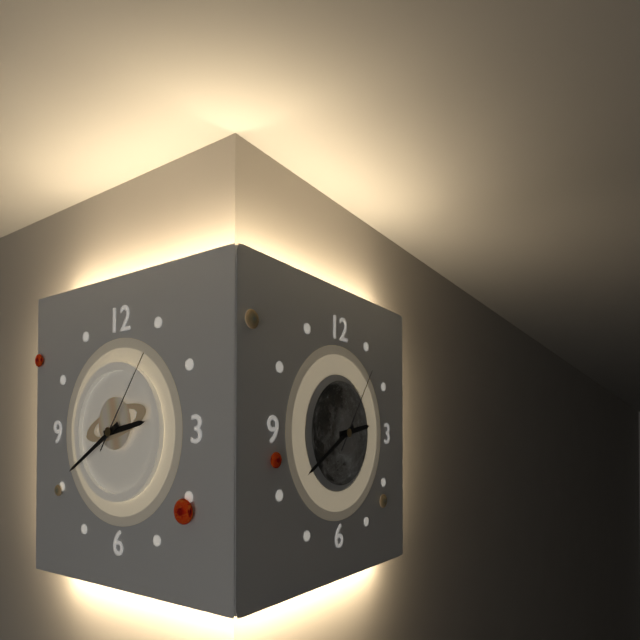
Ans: 2:40:06
